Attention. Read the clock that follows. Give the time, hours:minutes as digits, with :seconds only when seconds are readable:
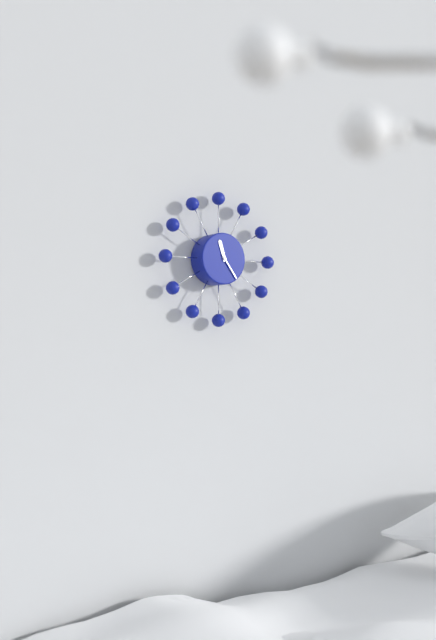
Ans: 11:24
